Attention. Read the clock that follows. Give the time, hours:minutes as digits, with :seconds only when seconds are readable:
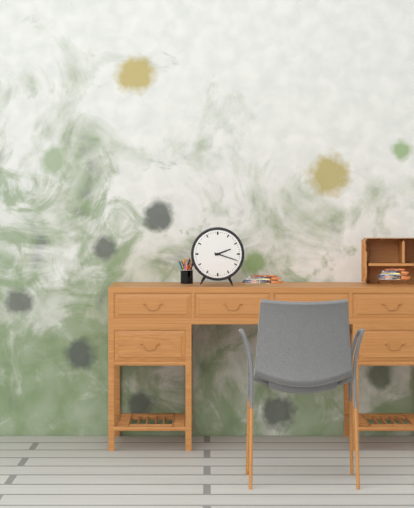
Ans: 2:18
